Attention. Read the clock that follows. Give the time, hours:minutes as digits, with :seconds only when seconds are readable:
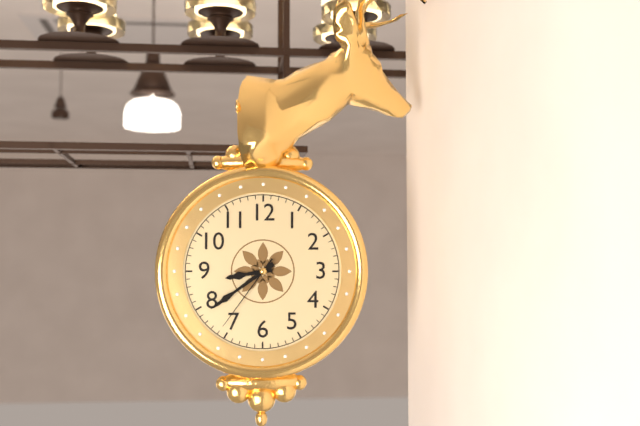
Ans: 8:39:36
